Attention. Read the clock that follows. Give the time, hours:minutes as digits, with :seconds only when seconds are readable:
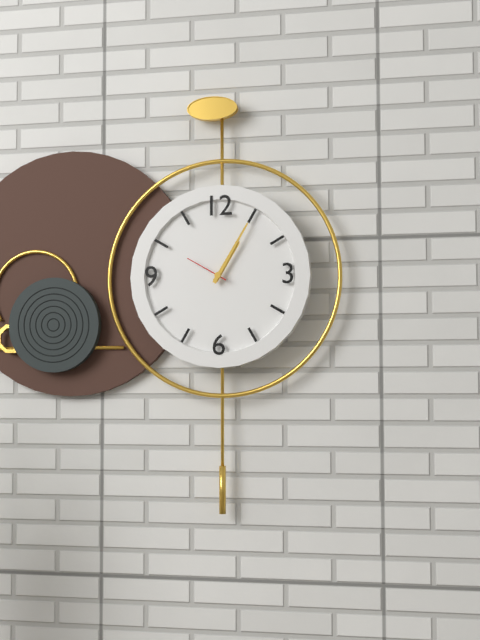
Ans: 1:05
